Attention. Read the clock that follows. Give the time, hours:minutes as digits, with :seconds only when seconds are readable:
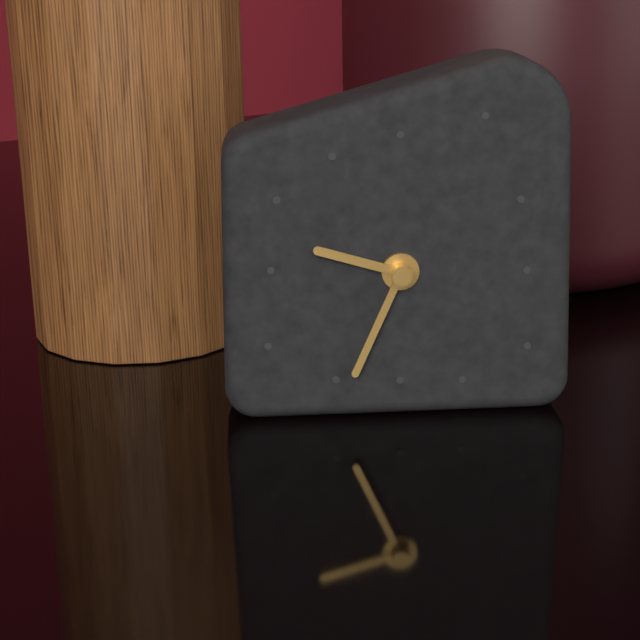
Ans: 9:34
